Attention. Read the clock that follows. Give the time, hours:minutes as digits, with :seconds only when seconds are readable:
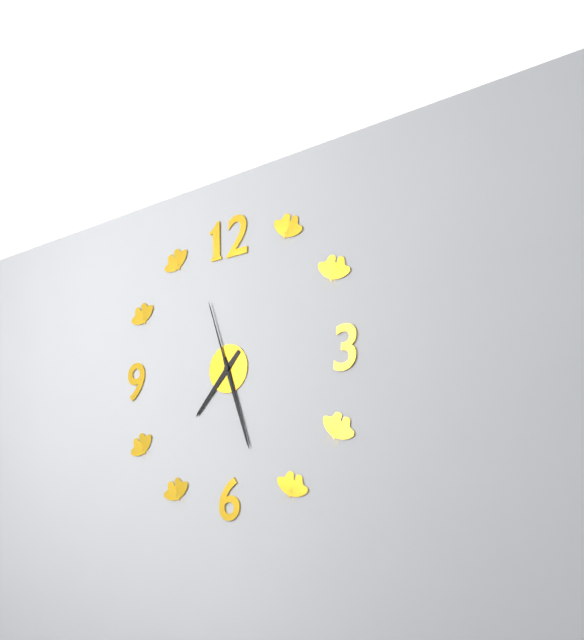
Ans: 7:27:57
